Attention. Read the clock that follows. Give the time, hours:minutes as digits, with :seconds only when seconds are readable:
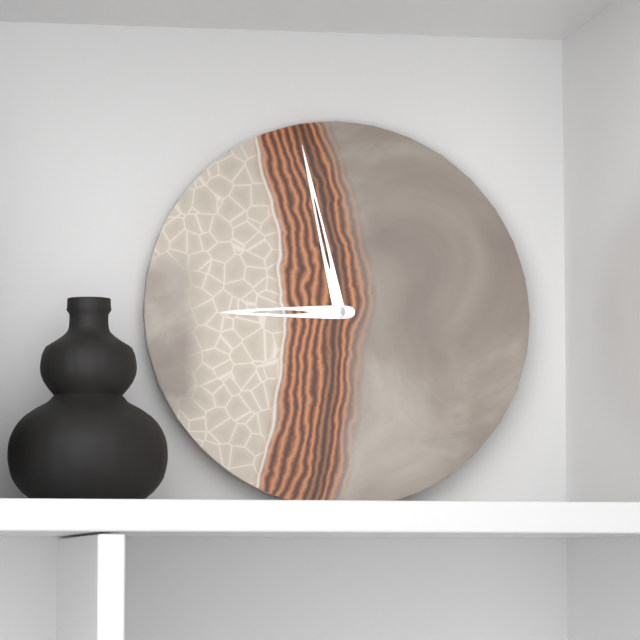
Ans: 8:58
